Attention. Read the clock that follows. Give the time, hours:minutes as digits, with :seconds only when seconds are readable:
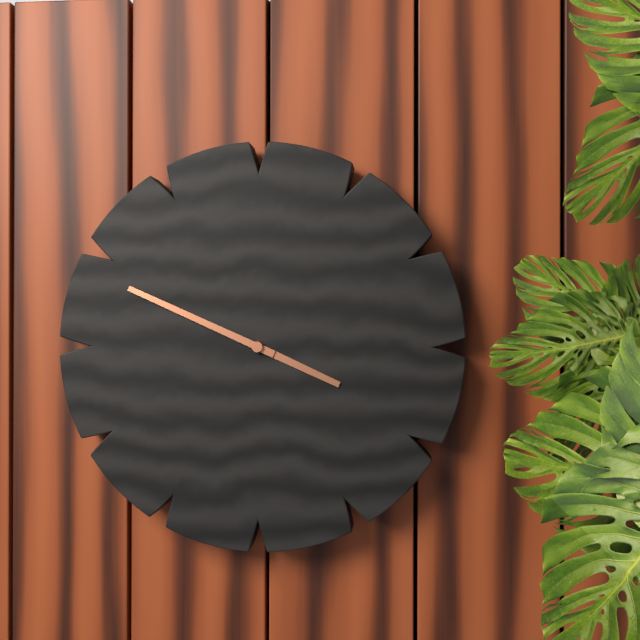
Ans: 3:49
